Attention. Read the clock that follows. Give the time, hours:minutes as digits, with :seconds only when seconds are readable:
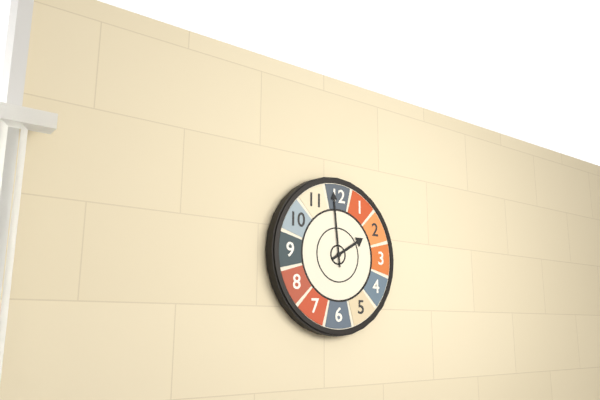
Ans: 1:59
